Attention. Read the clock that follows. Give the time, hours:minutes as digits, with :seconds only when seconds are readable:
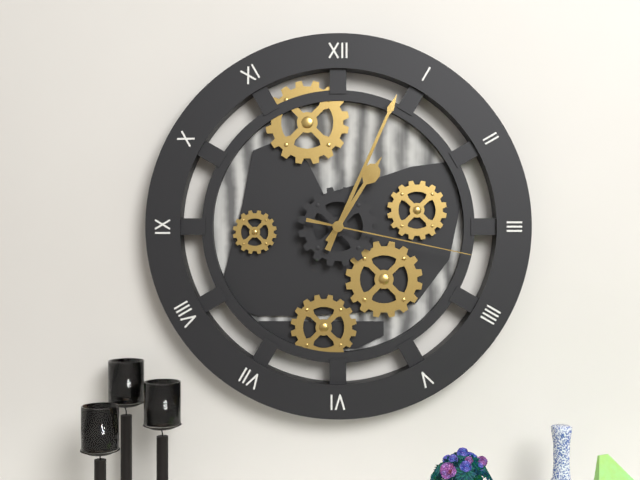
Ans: 1:04:17
